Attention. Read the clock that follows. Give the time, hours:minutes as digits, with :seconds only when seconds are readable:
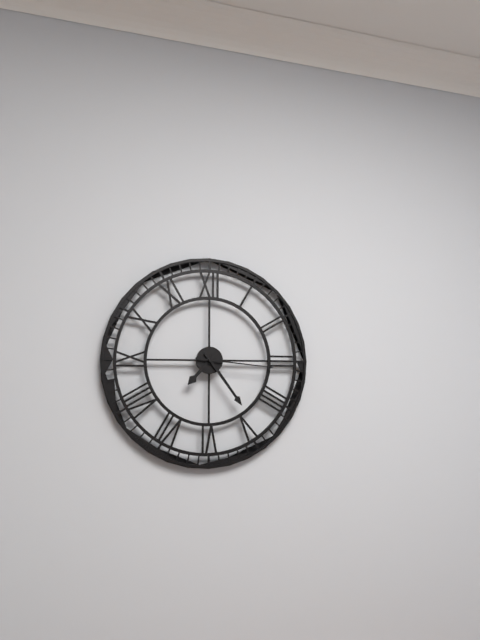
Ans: 7:24:16
